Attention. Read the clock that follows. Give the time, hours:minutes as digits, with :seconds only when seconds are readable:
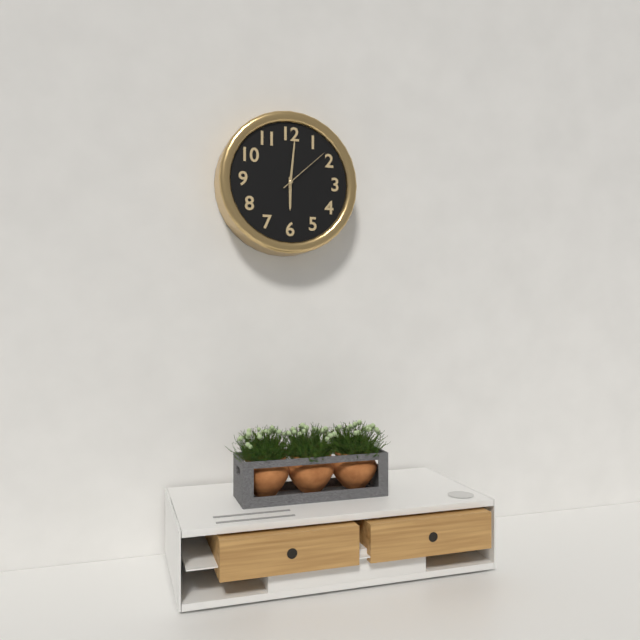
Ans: 6:01:08
